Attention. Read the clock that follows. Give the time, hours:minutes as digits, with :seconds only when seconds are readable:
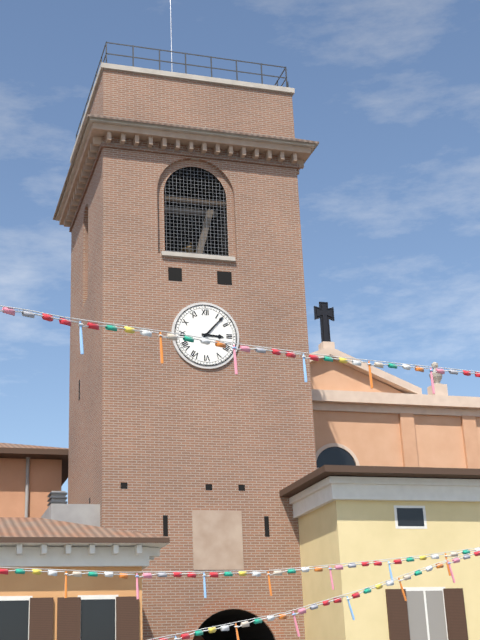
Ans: 3:07
